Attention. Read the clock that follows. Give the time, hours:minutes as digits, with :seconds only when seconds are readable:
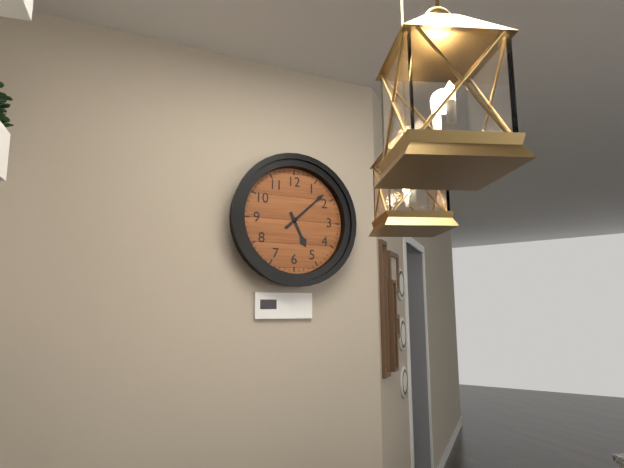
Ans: 5:08
